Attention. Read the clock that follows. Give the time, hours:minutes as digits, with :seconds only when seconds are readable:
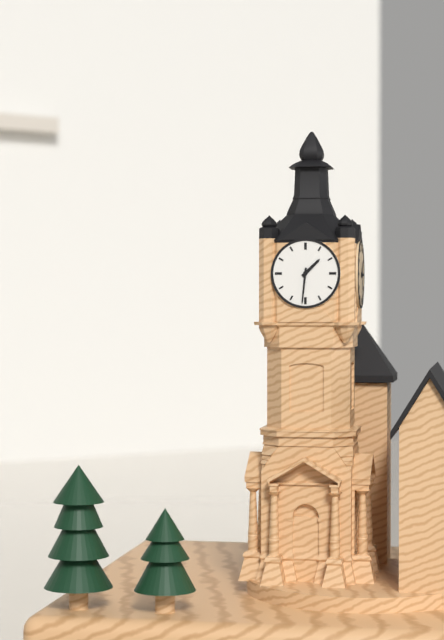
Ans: 1:31
